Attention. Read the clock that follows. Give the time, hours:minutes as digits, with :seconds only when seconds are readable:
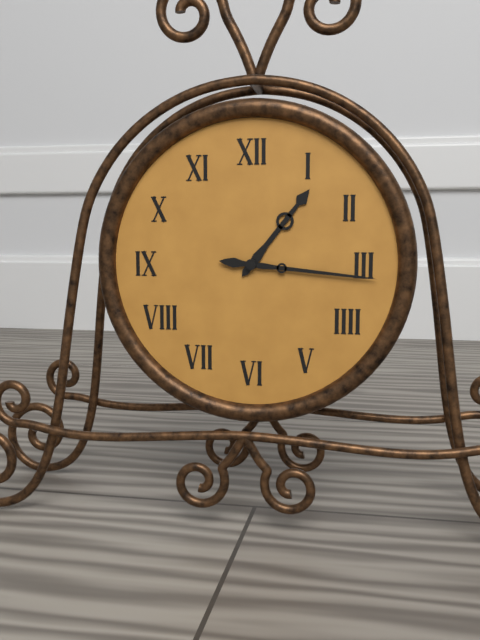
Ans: 1:16
